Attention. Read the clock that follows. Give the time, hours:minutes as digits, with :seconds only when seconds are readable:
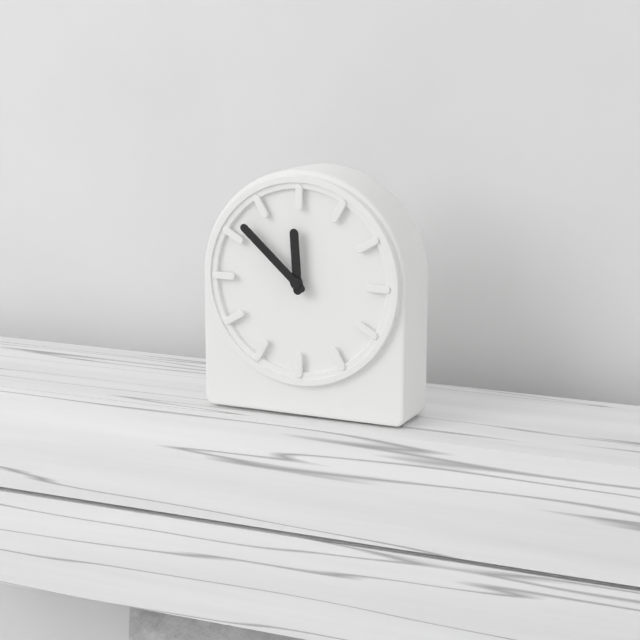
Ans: 11:52
